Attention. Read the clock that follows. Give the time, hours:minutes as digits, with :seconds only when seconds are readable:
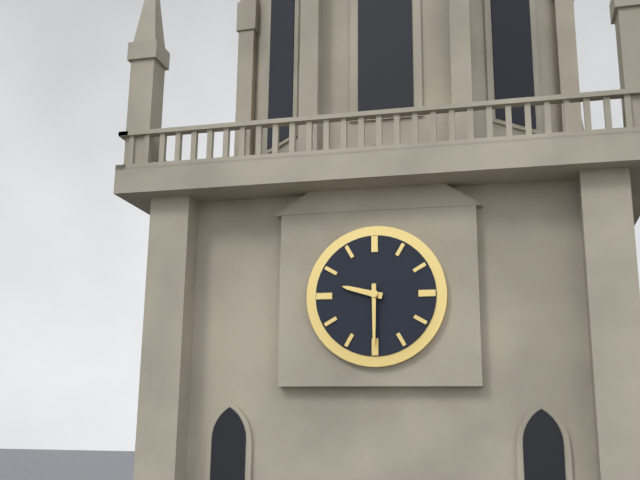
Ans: 9:30
